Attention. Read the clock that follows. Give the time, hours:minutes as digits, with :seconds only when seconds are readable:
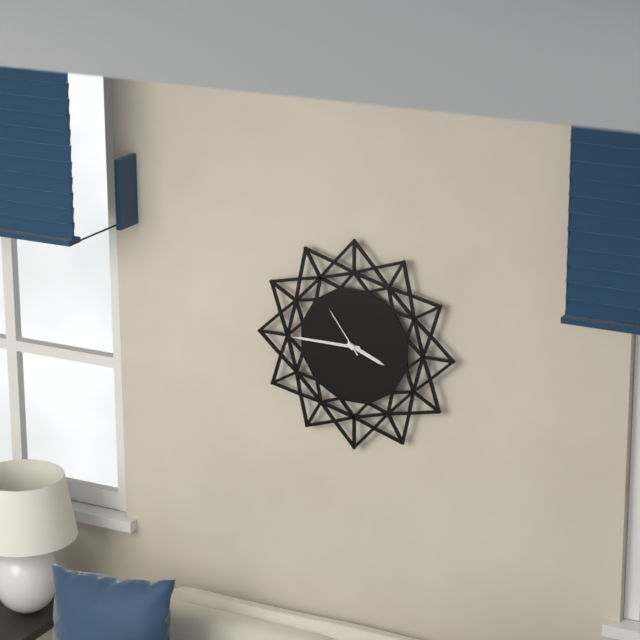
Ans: 3:45:54
